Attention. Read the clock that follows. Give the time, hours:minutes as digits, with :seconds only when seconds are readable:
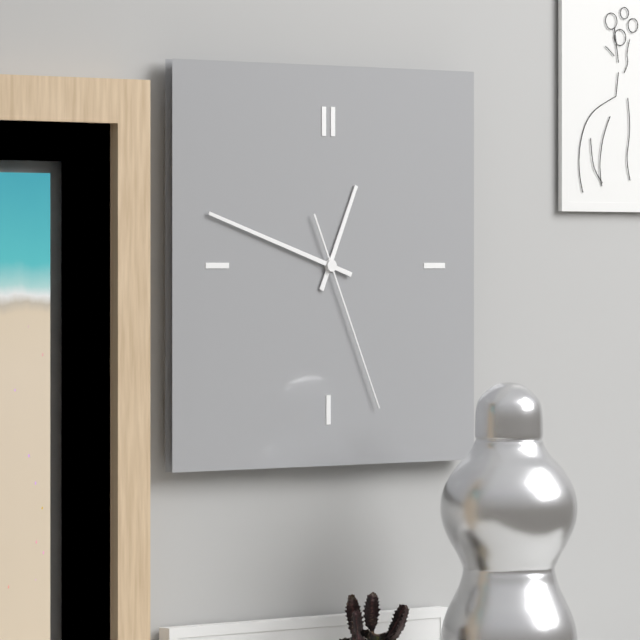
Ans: 12:48:26
